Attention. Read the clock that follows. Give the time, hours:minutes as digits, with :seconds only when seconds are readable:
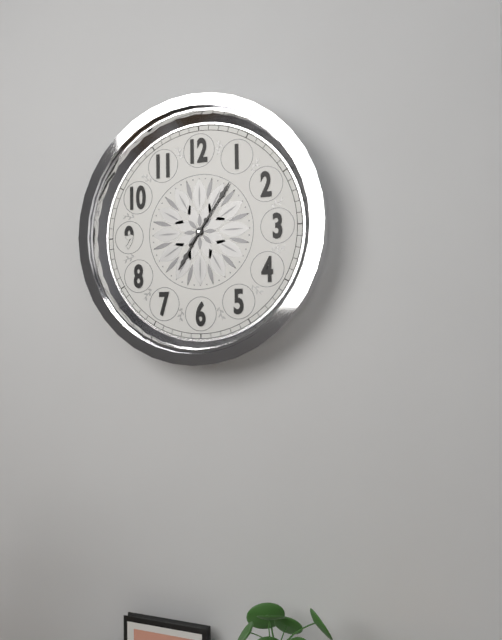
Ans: 7:06
